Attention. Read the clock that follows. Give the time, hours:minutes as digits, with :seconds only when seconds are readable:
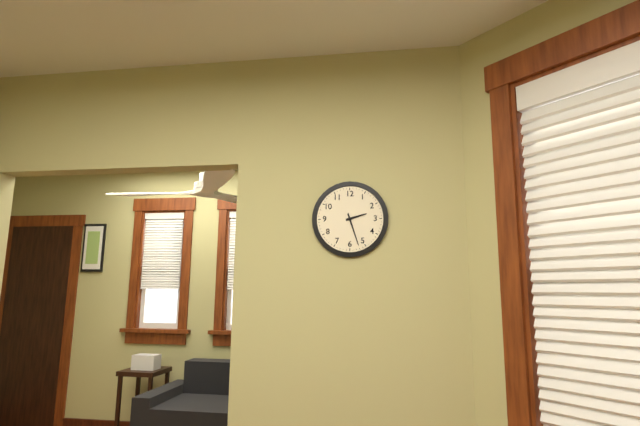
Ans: 2:27
